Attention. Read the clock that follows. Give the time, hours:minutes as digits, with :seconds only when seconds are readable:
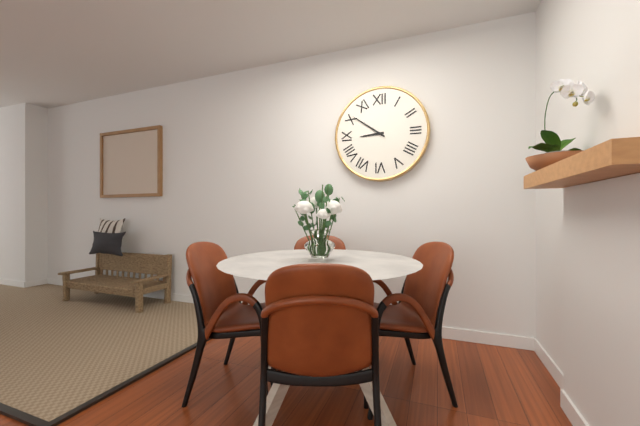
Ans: 8:51
